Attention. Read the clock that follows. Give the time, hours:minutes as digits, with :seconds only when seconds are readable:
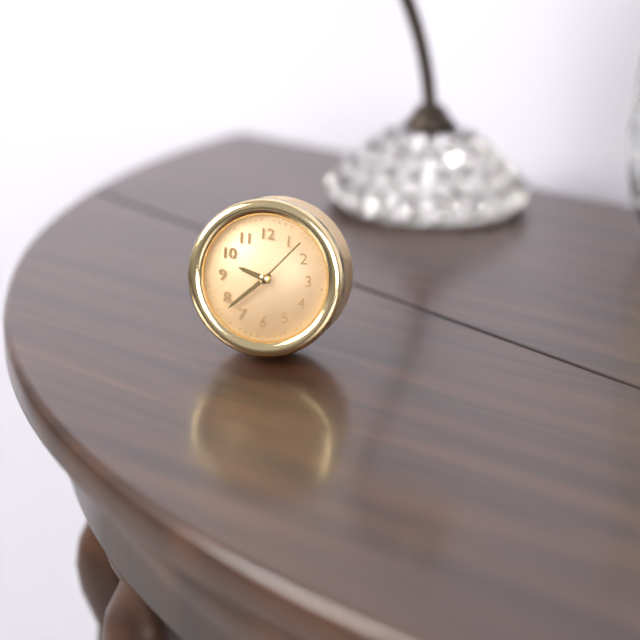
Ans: 9:38:07
